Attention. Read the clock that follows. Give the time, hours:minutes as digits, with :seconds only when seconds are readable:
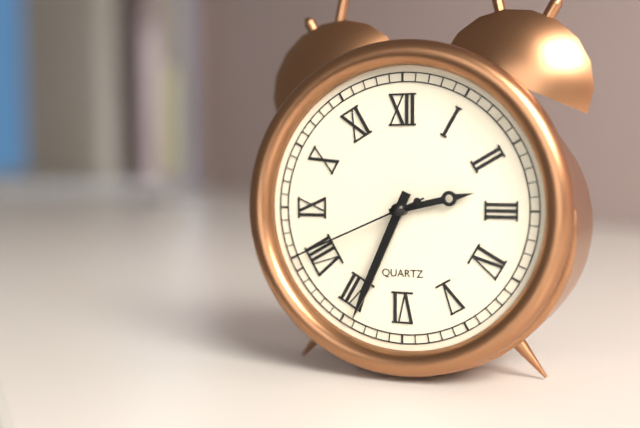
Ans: 2:34:41
